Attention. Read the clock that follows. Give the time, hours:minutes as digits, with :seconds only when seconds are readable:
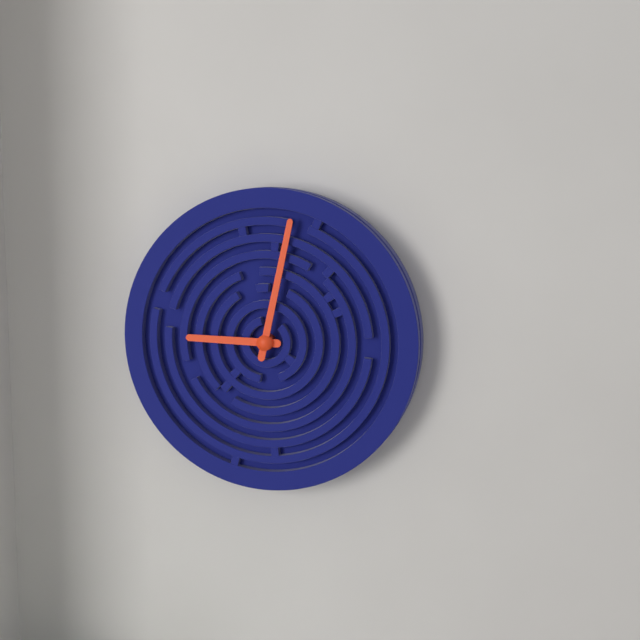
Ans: 9:02
